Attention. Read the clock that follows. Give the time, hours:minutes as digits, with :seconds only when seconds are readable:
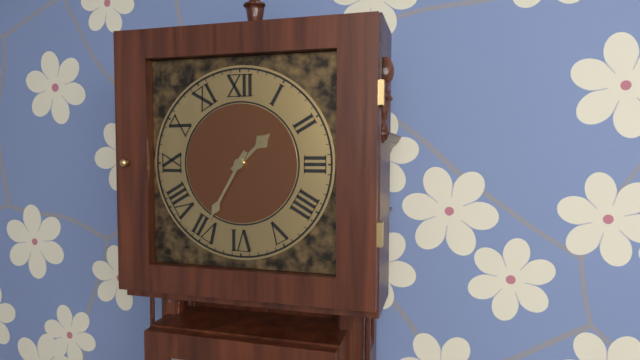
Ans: 1:35
